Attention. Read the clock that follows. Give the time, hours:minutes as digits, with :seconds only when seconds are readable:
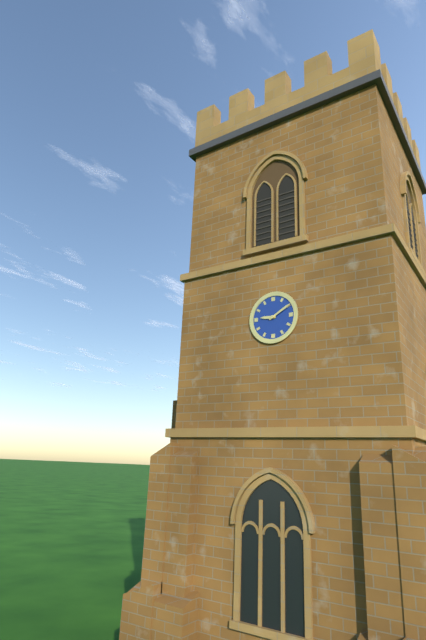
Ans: 9:10
